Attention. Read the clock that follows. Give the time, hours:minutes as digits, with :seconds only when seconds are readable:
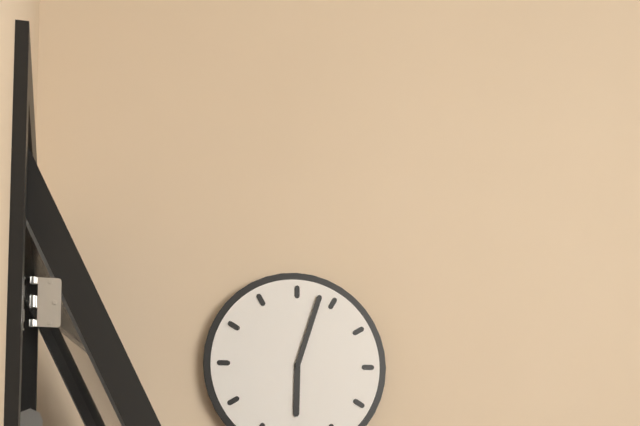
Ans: 6:03
